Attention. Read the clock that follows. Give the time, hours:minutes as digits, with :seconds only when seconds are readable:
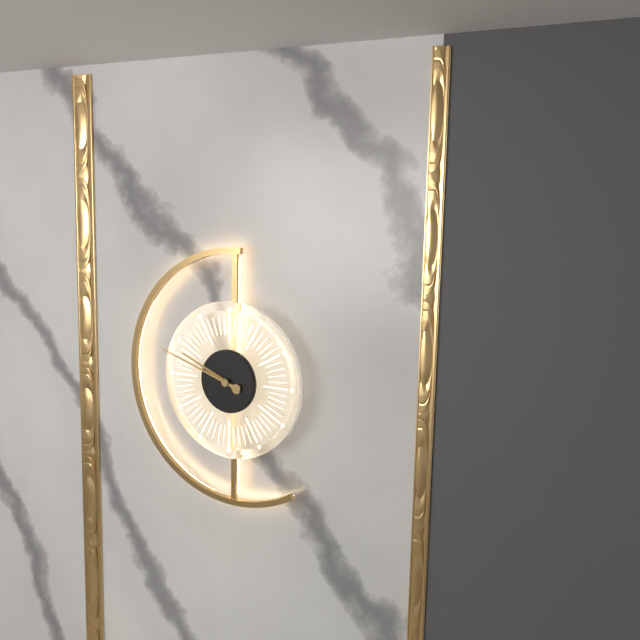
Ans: 9:48
